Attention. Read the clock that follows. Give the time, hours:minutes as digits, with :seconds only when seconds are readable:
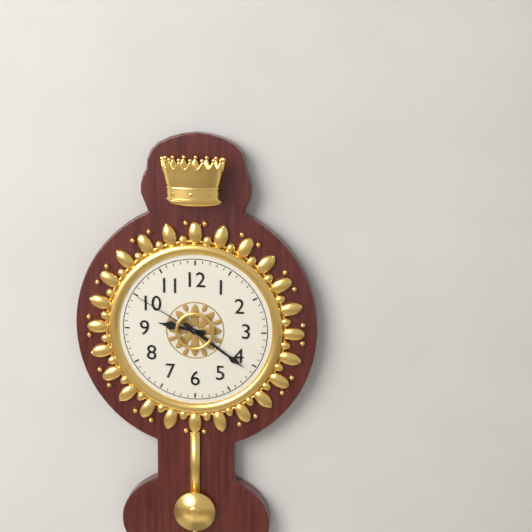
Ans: 9:21:50
